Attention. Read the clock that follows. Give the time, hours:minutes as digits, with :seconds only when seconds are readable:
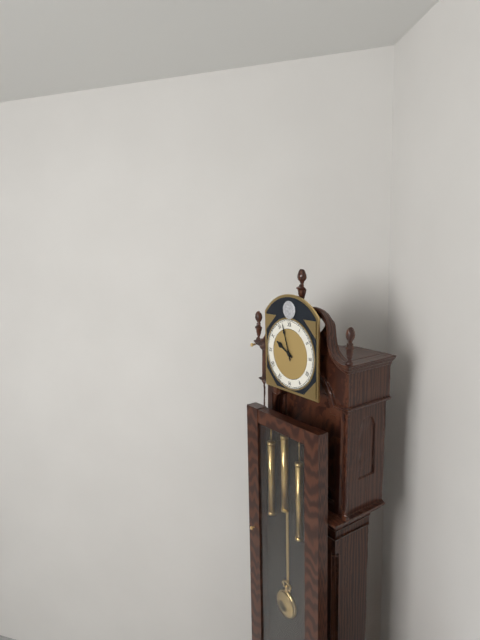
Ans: 9:57
